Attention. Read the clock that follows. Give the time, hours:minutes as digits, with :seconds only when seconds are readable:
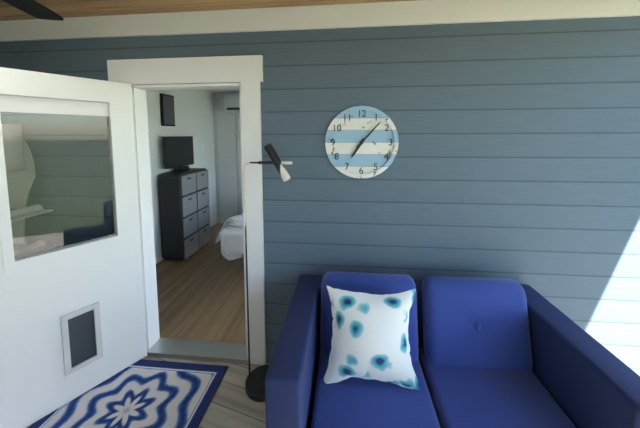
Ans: 7:07
